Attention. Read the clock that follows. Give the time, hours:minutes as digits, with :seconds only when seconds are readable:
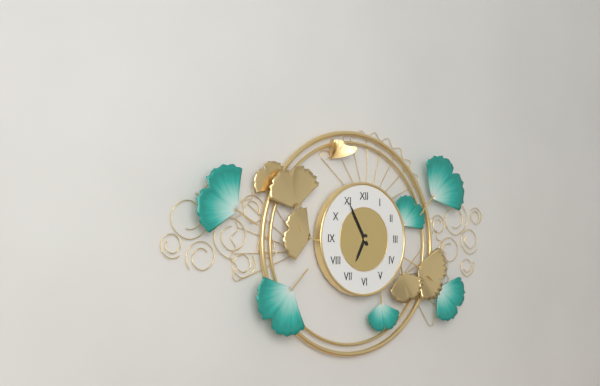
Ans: 6:55
